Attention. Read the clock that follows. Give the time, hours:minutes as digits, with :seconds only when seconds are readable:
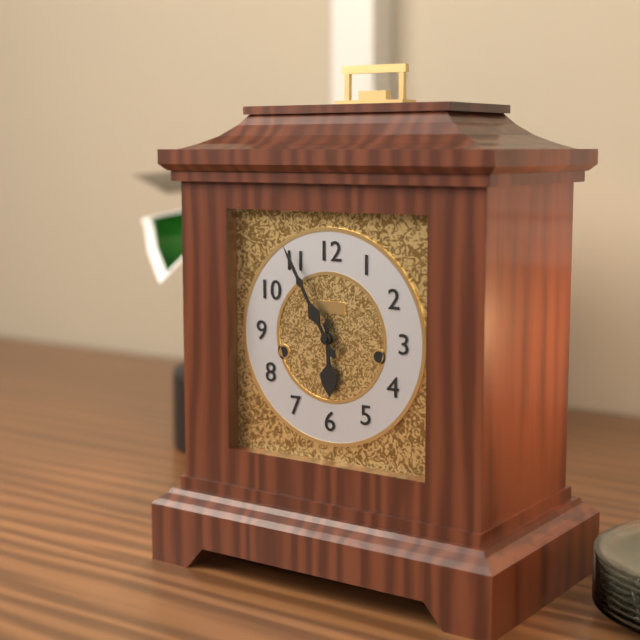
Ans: 5:55
